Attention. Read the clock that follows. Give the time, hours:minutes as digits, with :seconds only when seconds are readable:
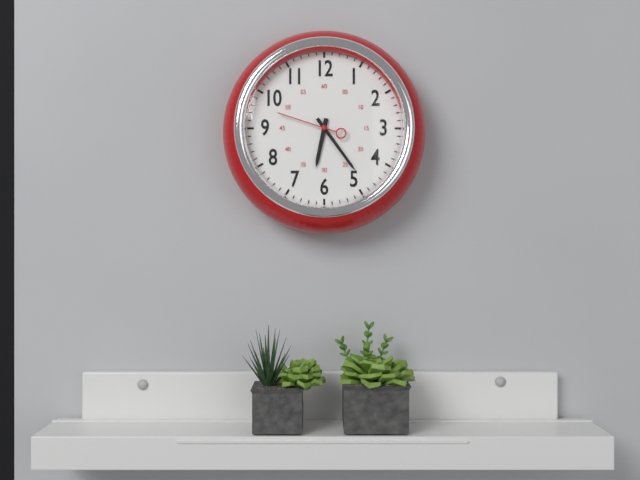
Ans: 6:24:48
